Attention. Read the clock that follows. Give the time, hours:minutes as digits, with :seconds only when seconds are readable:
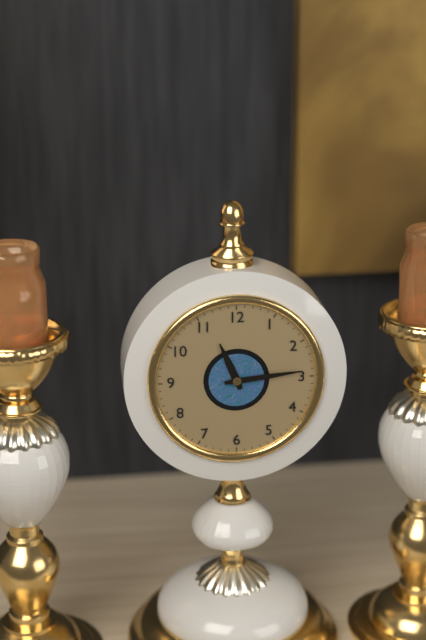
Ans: 11:14
